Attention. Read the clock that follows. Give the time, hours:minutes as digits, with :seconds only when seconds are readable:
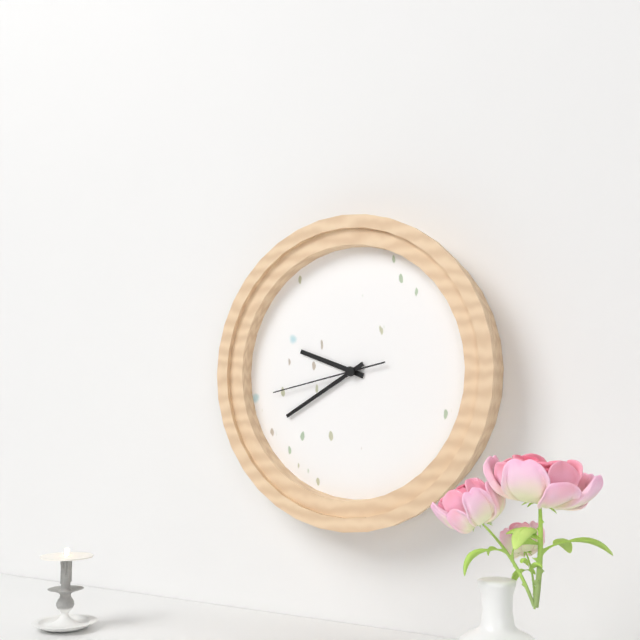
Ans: 9:40:43
